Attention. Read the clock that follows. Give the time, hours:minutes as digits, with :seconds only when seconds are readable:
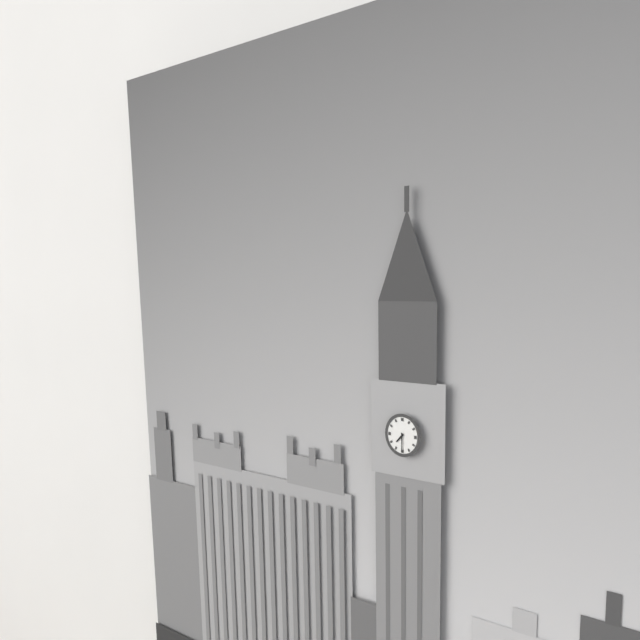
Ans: 7:30
